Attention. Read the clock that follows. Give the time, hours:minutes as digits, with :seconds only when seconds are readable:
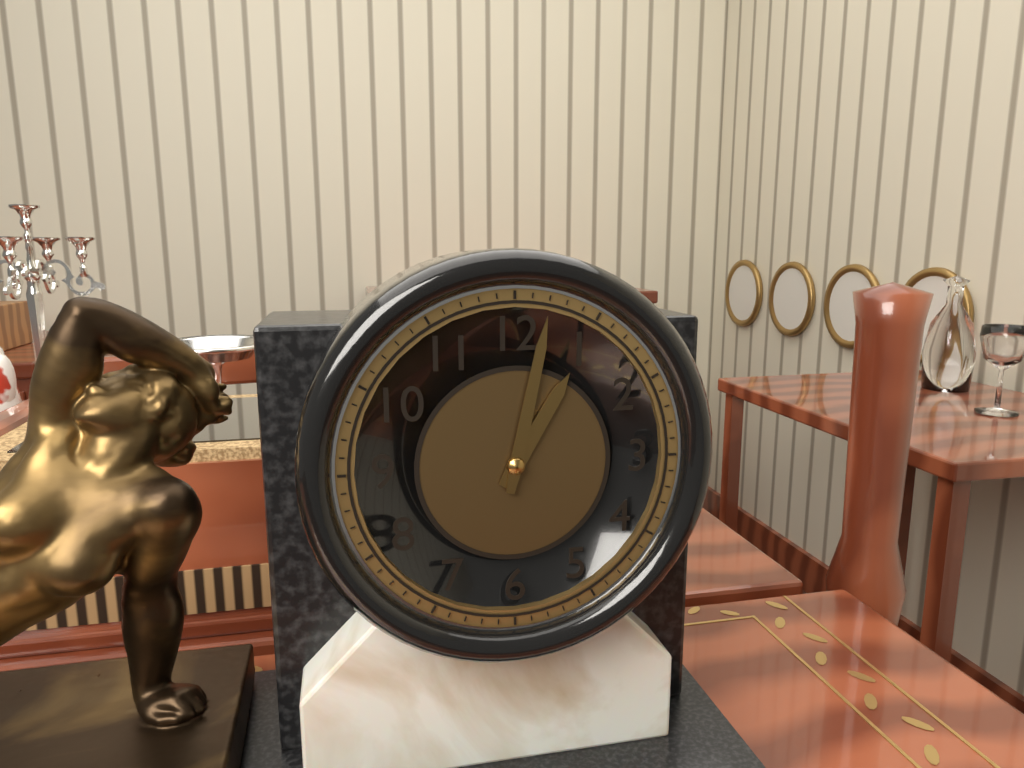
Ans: 1:02
